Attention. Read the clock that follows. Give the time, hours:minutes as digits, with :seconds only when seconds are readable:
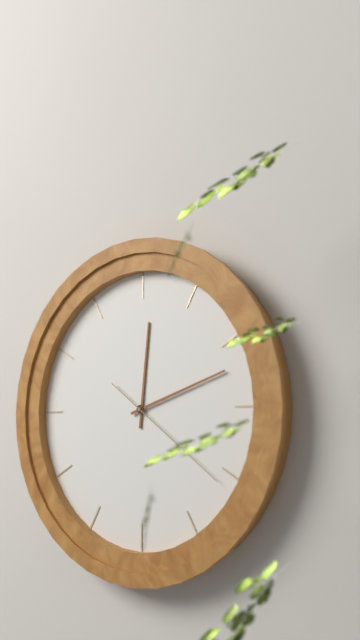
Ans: 12:12:21
